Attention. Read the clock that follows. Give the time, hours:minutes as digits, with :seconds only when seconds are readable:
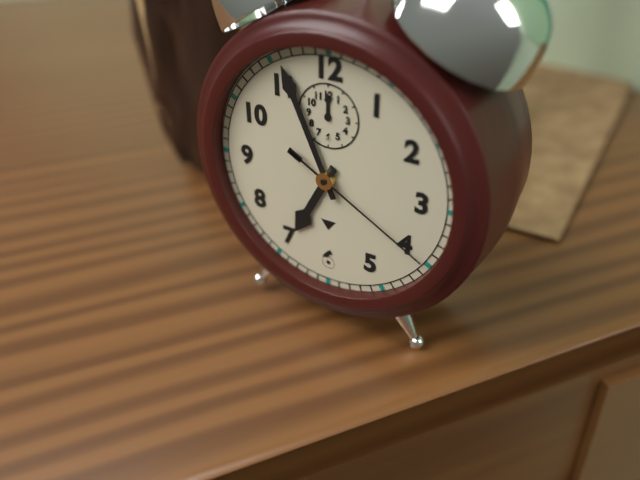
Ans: 6:56:20
